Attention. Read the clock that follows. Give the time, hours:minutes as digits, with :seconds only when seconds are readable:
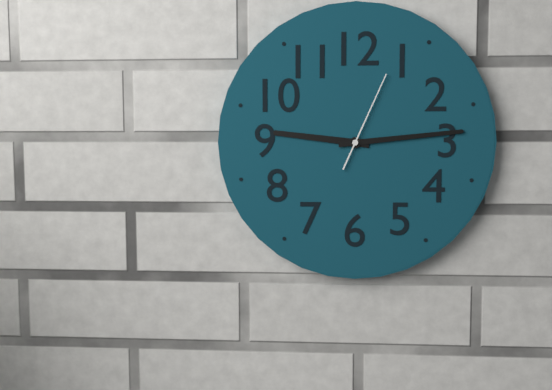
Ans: 9:14:04
